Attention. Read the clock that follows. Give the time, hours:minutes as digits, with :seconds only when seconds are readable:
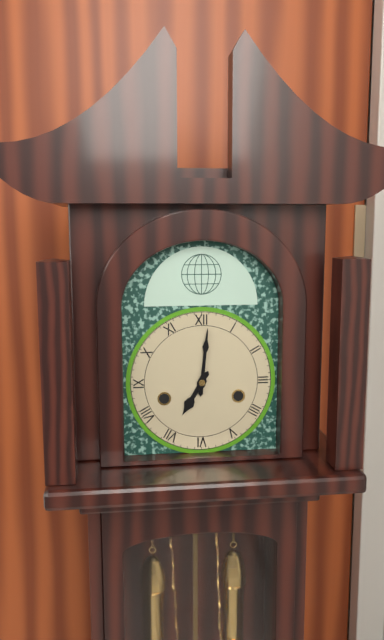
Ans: 7:01
